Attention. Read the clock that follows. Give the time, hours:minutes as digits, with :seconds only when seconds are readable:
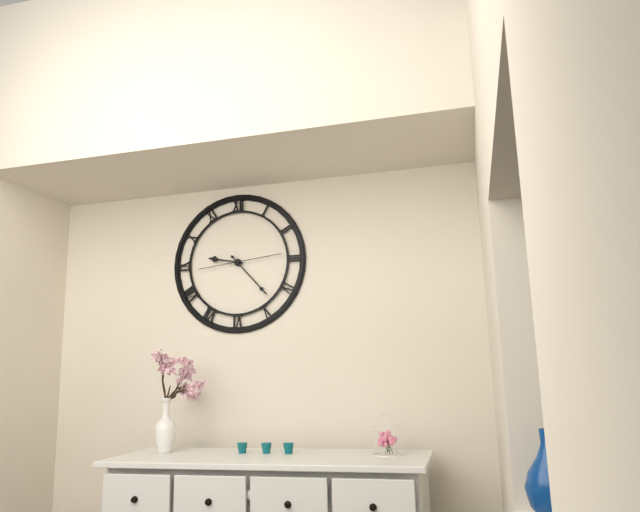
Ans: 9:23:14
